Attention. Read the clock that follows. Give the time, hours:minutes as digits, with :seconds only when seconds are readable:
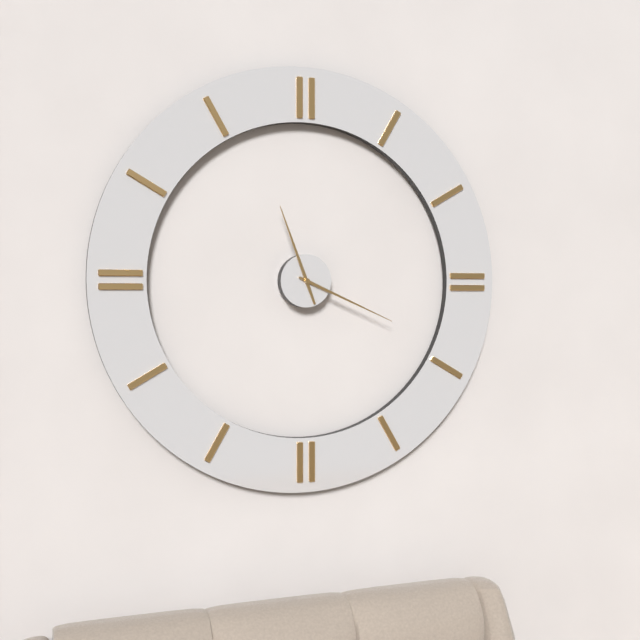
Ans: 11:19
